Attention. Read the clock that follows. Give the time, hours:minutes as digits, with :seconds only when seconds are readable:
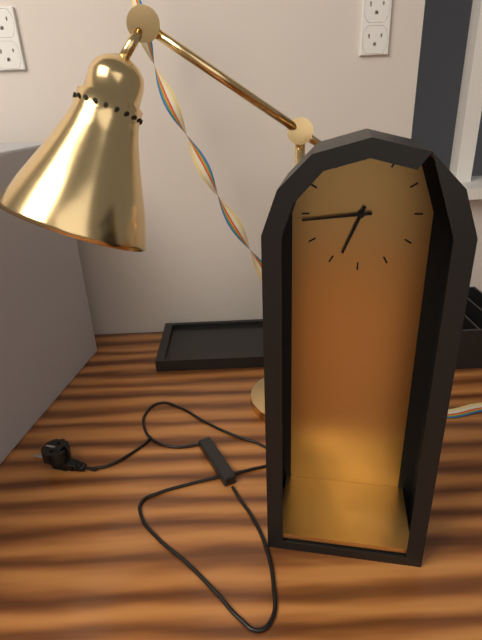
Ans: 6:44
